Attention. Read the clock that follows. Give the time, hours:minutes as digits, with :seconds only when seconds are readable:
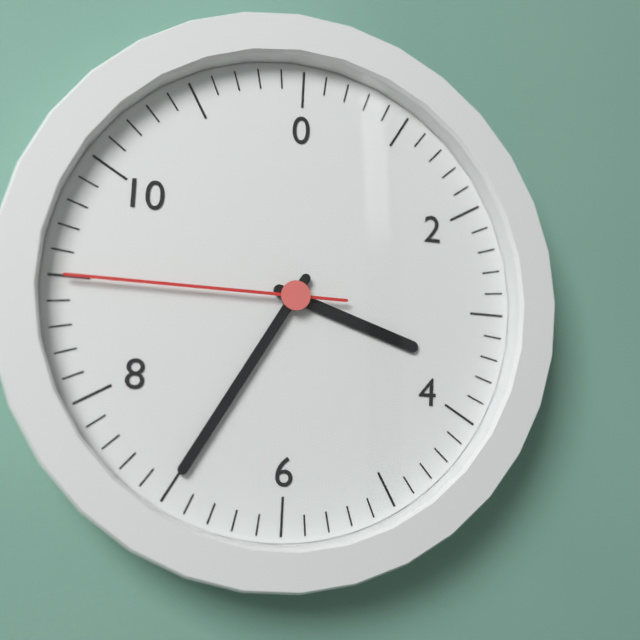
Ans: 3:35:45
